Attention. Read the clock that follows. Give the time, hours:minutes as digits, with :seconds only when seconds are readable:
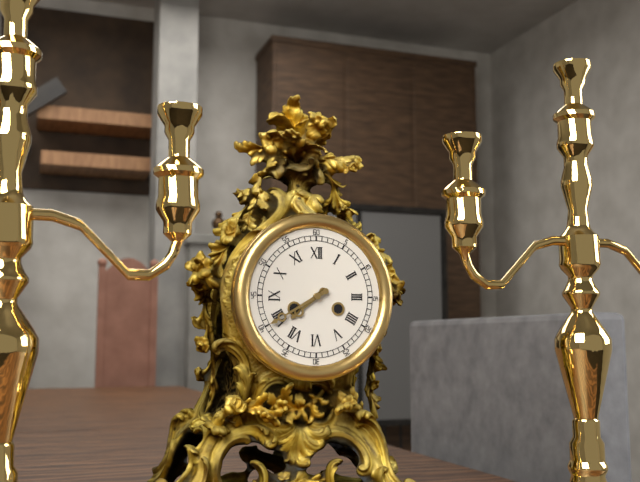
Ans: 7:40
